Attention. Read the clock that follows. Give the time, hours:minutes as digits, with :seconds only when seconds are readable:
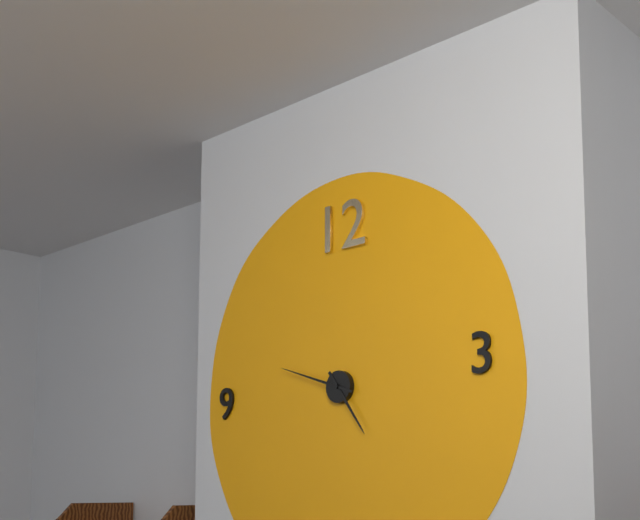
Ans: 4:48
